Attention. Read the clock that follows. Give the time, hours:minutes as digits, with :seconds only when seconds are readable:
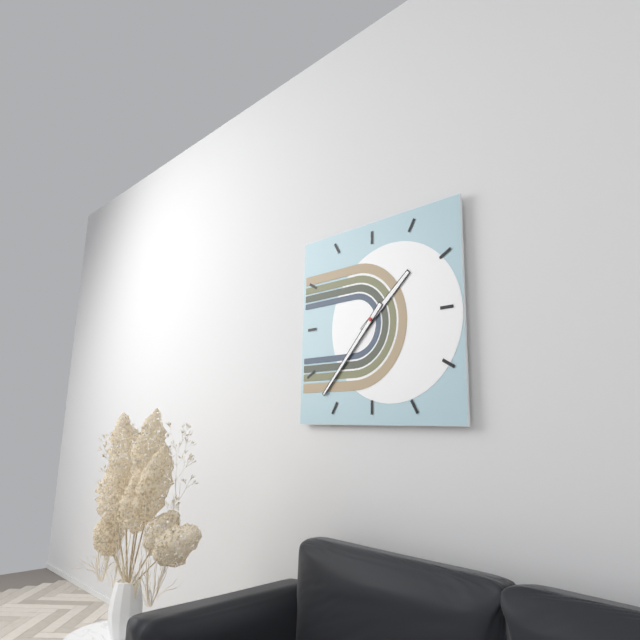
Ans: 1:37
